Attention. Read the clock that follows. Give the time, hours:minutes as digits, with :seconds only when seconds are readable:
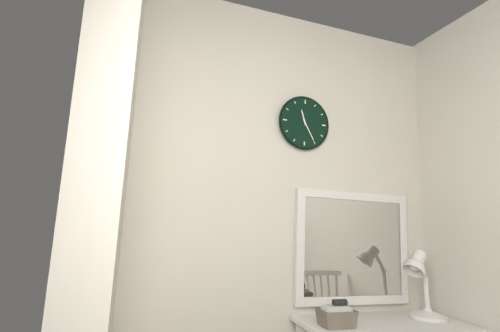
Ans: 11:25
